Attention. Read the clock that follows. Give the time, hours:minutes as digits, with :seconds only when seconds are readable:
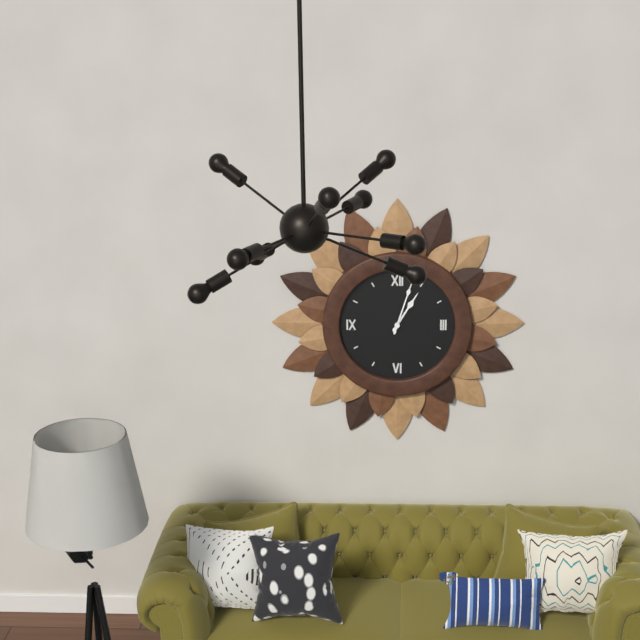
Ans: 1:03
